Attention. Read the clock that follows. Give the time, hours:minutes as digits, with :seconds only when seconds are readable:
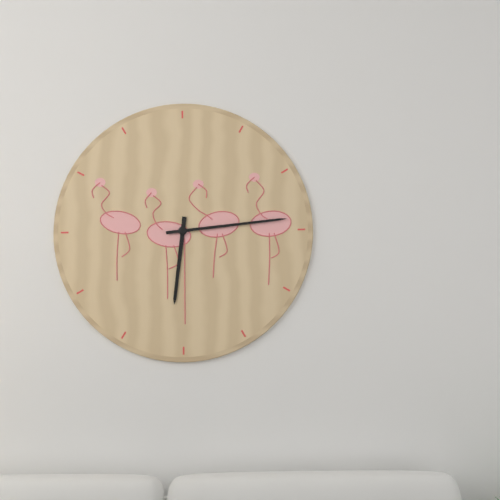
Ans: 6:14
